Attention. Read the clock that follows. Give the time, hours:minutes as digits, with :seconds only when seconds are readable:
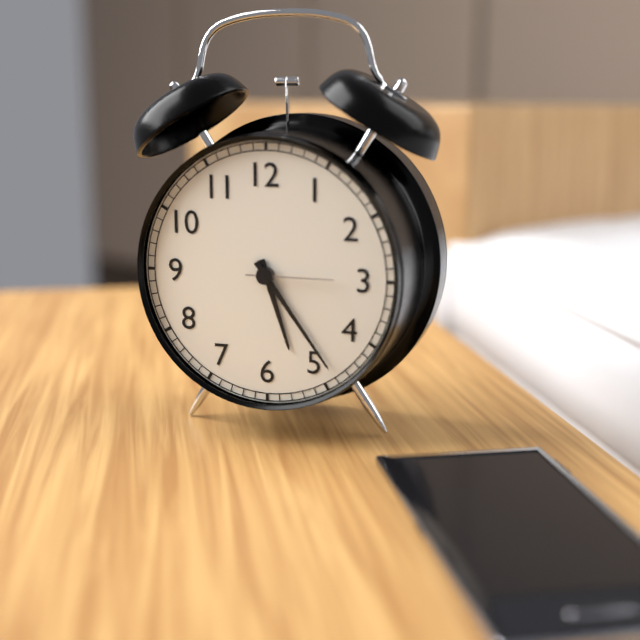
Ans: 5:24:15
